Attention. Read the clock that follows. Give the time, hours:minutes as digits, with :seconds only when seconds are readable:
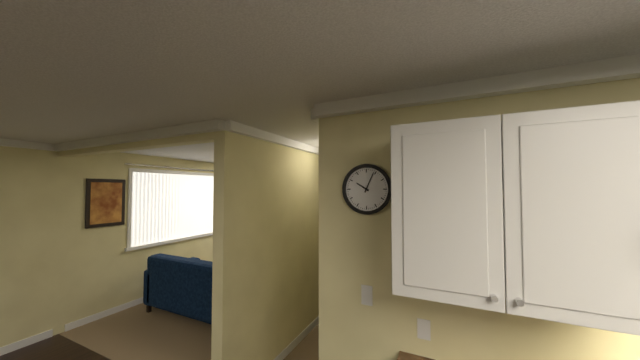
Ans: 10:04
